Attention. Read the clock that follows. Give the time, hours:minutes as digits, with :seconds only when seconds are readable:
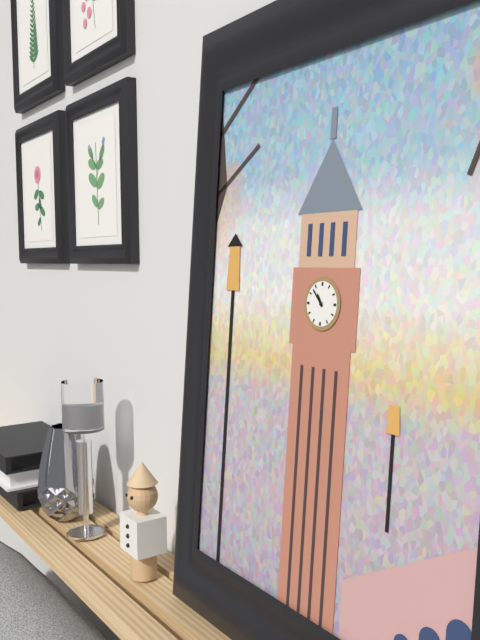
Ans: 10:53
